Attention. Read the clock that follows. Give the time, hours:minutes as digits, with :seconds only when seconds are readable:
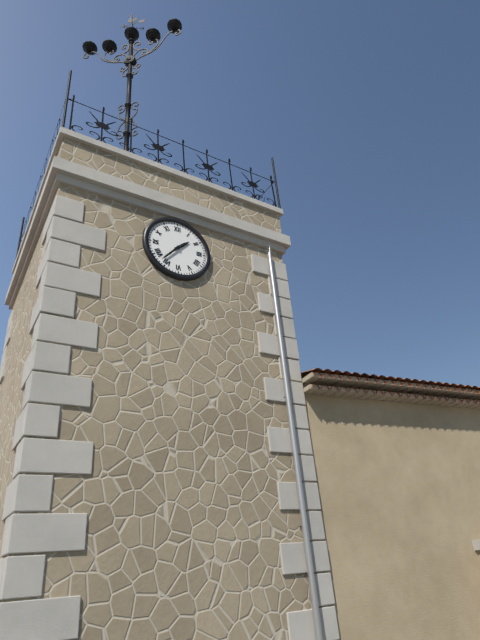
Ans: 1:37
